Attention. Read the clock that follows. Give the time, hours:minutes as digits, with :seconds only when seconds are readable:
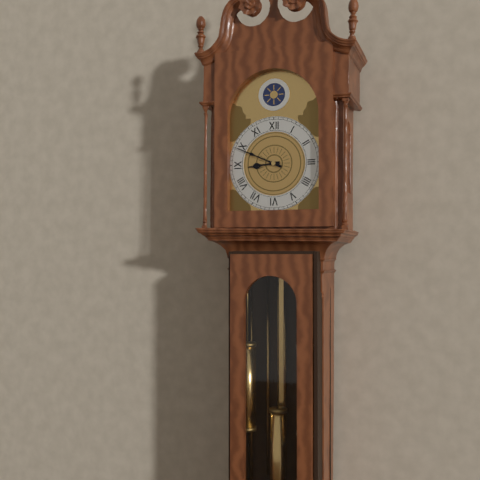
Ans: 8:49
